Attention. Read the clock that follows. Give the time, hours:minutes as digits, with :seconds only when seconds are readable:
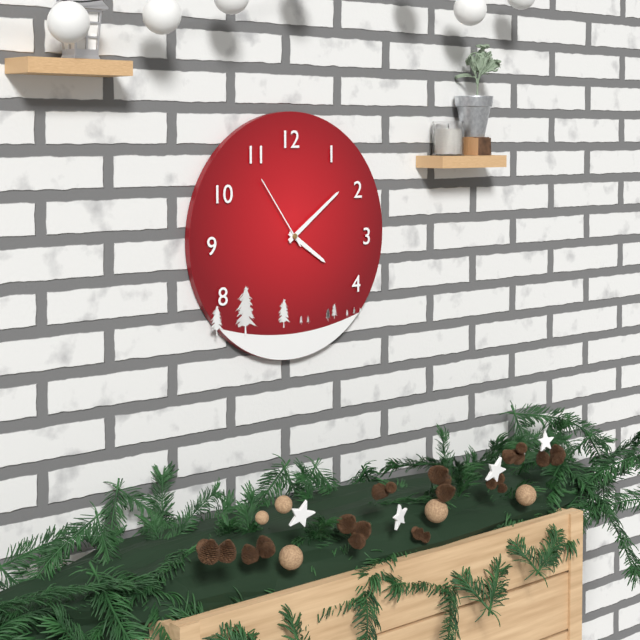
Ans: 4:09:54
